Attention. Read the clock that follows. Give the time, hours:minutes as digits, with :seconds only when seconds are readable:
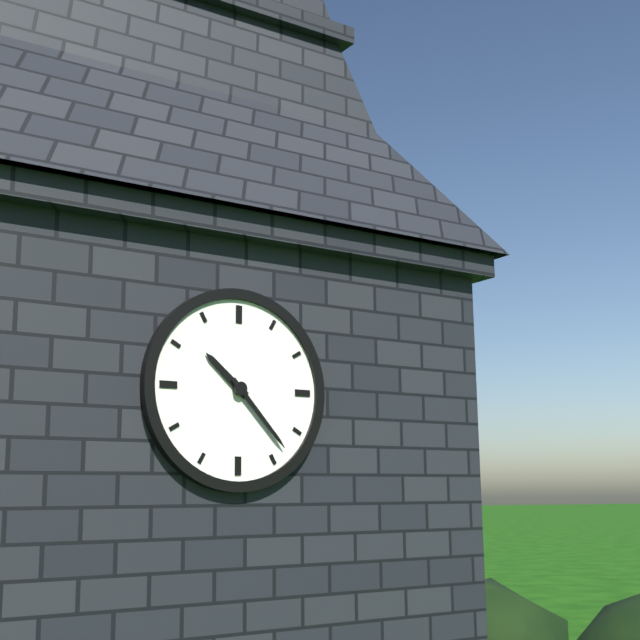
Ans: 10:23
